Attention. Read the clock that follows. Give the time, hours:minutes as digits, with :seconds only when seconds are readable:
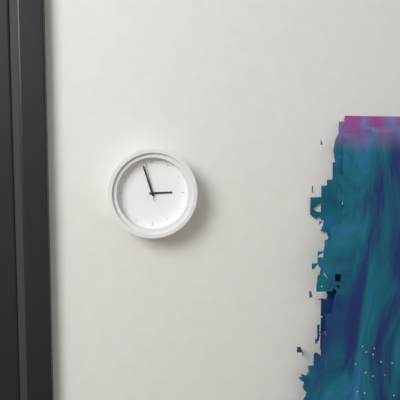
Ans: 2:57
